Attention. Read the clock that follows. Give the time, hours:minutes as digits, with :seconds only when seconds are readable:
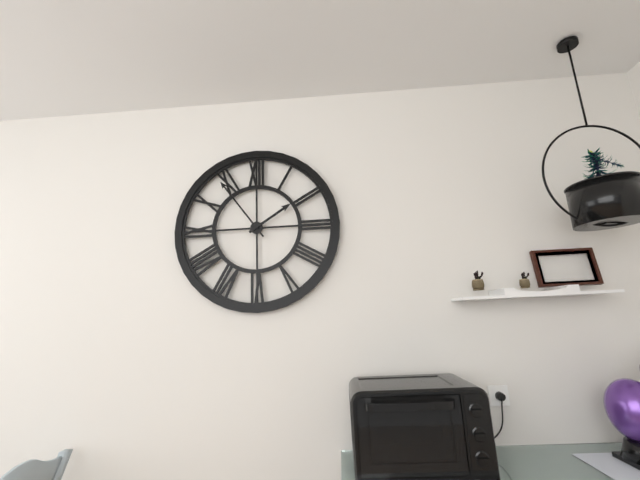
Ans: 1:54
